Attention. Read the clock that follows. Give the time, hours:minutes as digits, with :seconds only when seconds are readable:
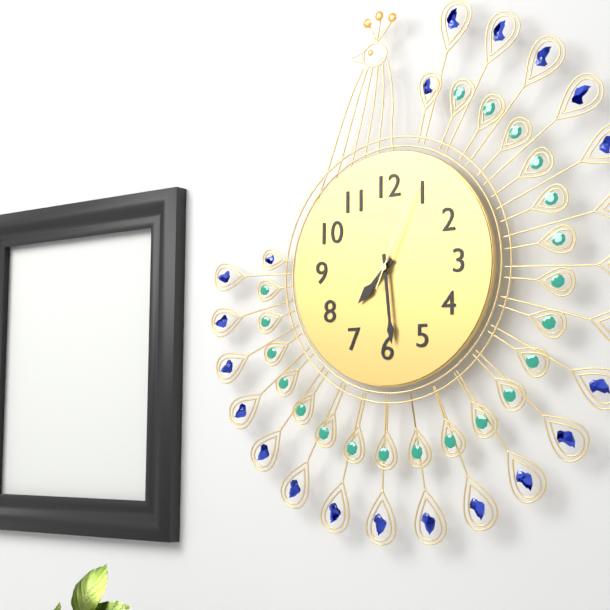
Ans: 7:29:04
